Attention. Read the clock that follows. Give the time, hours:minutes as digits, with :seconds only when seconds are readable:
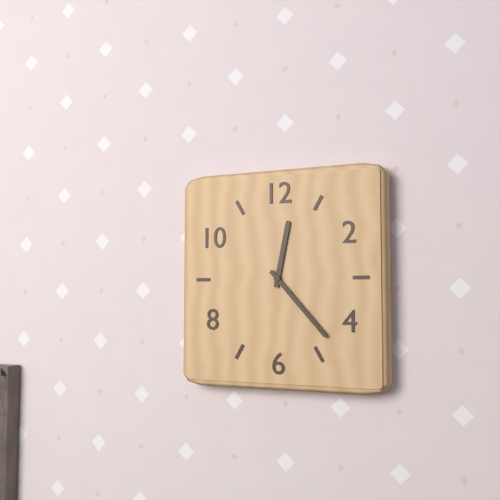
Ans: 12:23
